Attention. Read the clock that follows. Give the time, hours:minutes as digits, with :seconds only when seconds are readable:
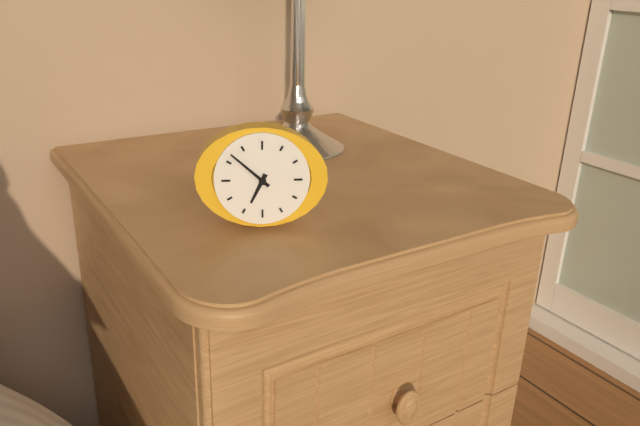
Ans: 6:52
